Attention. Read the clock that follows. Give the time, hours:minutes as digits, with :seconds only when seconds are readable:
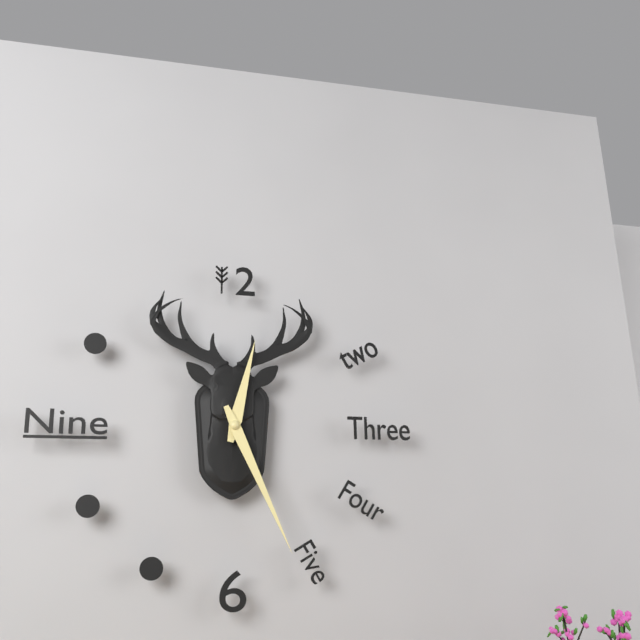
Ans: 12:26
